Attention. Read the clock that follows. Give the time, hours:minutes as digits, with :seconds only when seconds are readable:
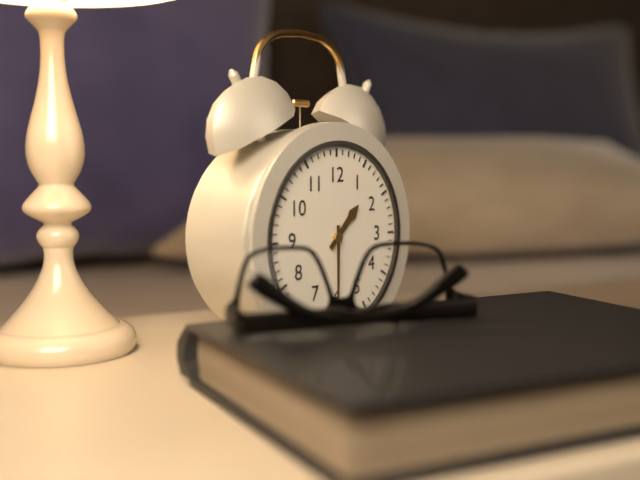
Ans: 1:30
